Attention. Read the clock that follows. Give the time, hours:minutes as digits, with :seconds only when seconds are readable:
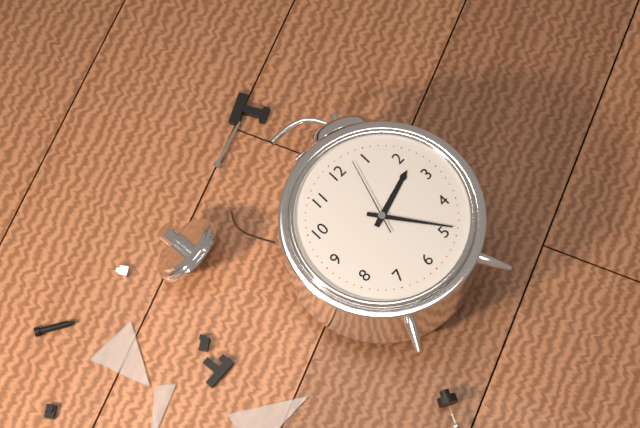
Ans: 2:24:03
